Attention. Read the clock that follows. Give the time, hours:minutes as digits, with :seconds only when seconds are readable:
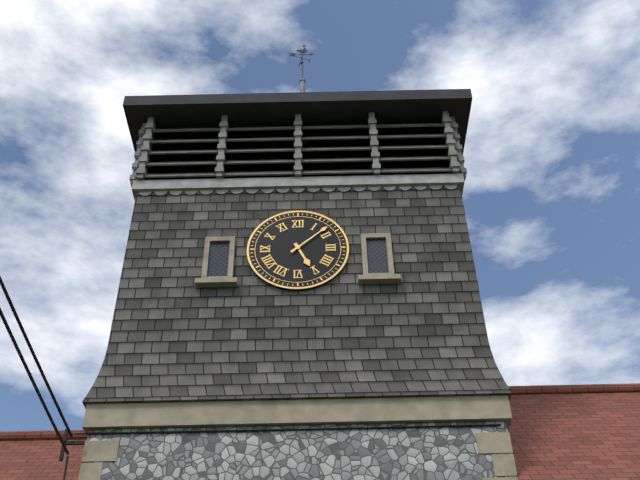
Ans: 5:08
